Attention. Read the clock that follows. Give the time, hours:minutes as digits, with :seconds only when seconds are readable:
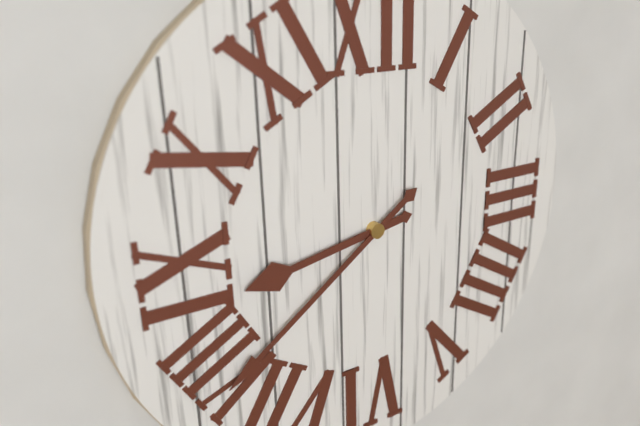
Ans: 8:39
